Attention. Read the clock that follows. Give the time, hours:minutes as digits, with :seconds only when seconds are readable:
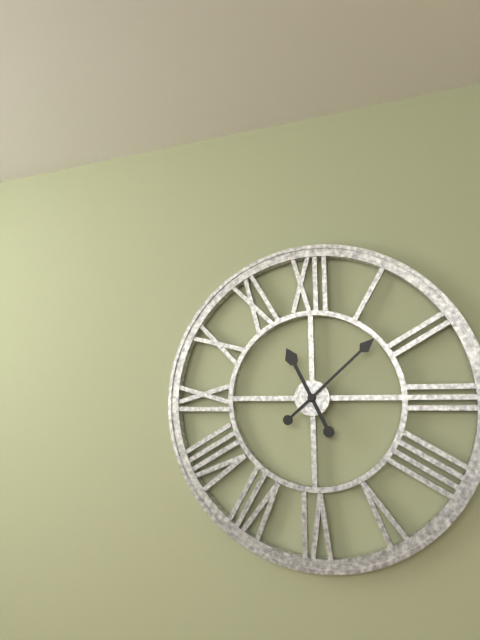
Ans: 11:08
